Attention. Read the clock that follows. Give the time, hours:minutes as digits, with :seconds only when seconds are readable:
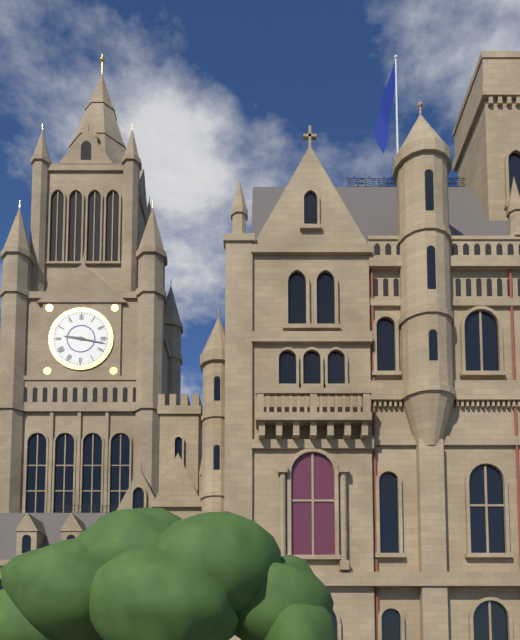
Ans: 9:17
